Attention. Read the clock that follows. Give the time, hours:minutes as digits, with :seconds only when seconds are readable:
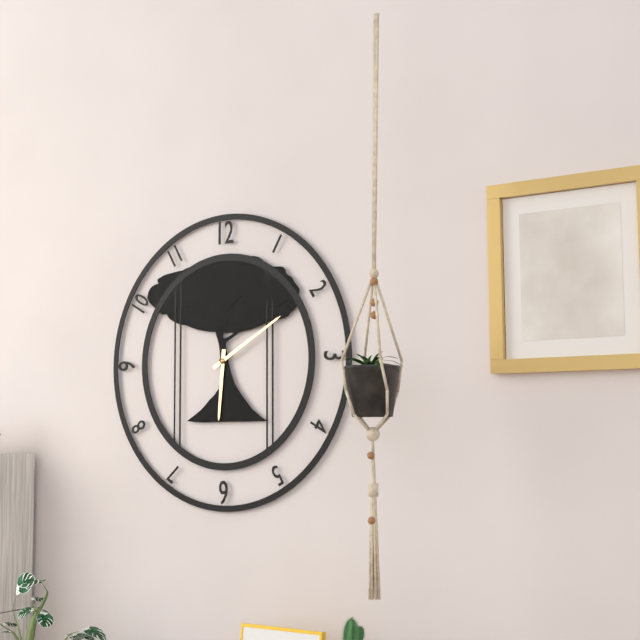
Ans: 6:10
